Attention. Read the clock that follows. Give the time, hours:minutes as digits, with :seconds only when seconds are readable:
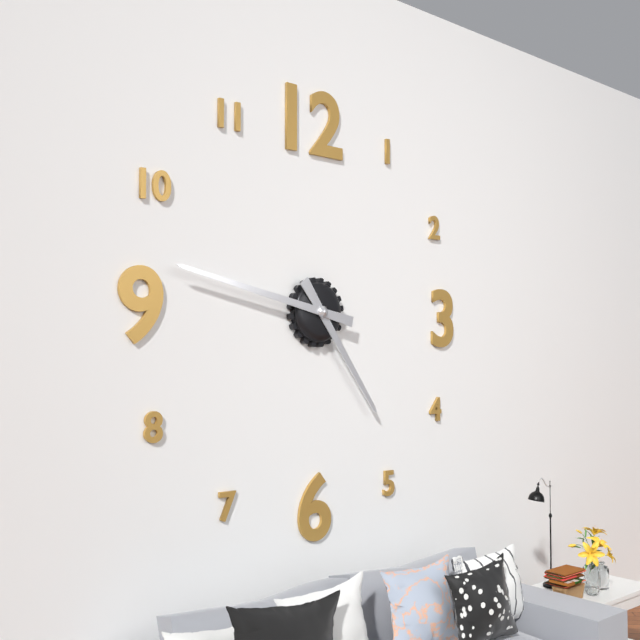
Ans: 4:47
